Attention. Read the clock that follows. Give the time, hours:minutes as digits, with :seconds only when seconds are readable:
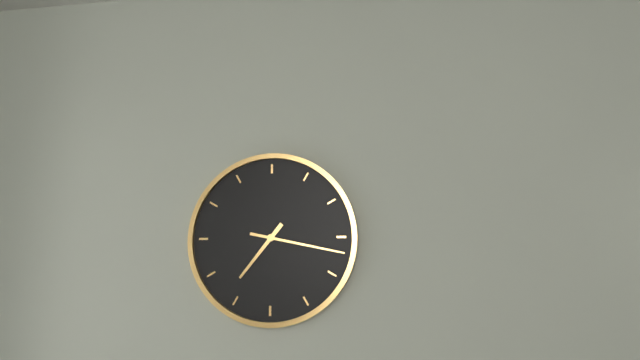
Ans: 7:17
